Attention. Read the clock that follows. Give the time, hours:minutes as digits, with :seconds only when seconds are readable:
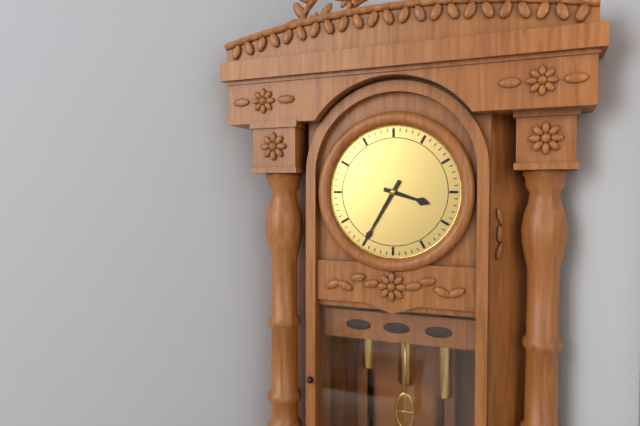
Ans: 3:35
